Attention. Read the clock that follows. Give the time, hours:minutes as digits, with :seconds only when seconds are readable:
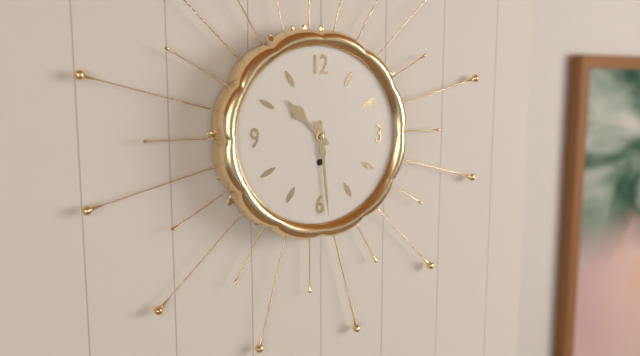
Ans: 10:29
